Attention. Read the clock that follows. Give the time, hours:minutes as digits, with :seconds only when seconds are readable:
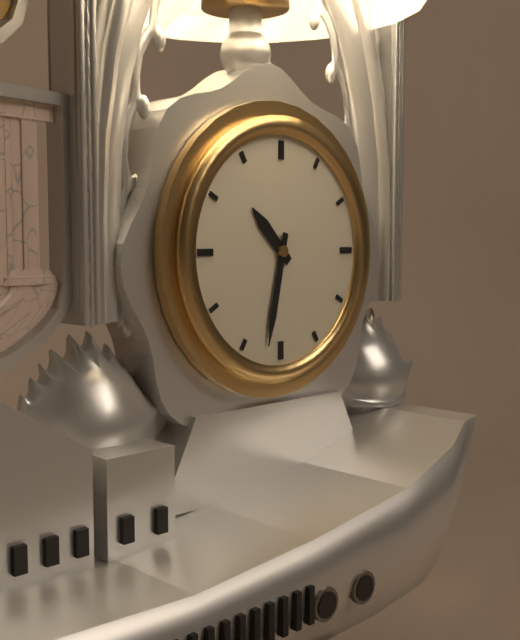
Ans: 10:32
